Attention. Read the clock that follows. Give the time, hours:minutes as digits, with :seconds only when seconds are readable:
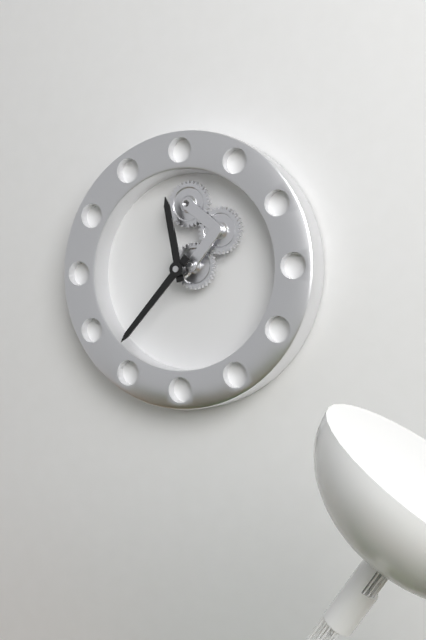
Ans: 11:37
